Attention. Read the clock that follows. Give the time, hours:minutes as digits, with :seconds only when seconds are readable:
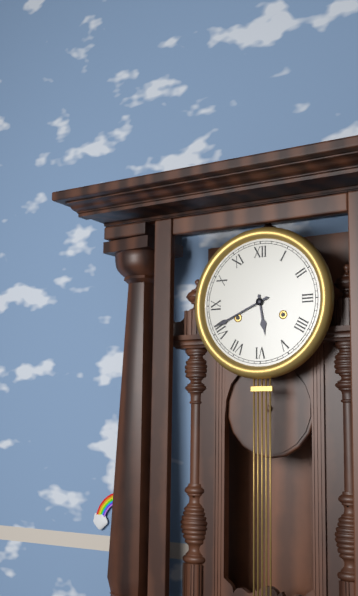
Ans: 5:41
